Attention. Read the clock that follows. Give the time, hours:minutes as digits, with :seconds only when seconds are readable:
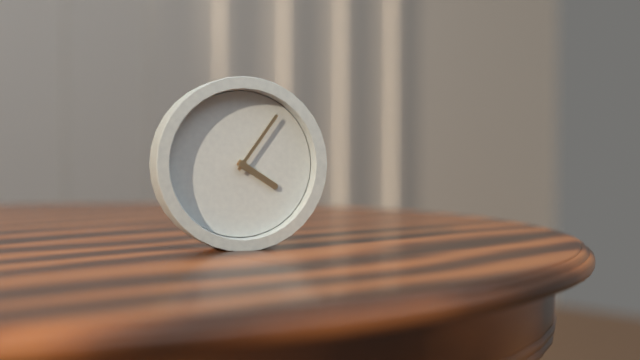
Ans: 4:06
